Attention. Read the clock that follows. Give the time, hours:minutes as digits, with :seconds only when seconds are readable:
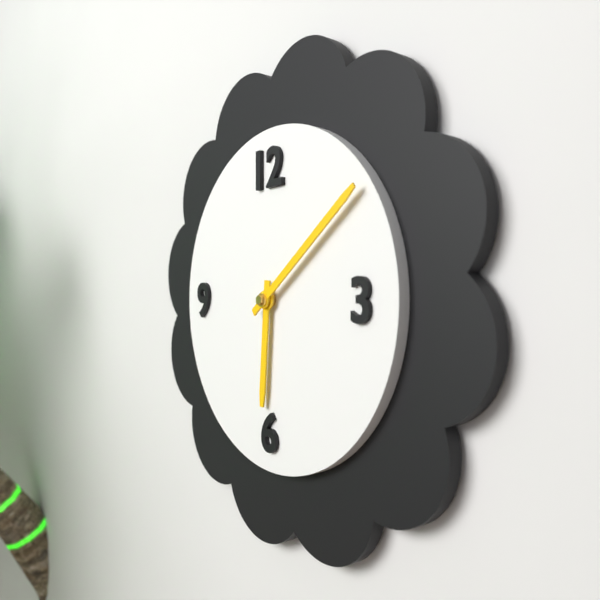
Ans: 6:09
